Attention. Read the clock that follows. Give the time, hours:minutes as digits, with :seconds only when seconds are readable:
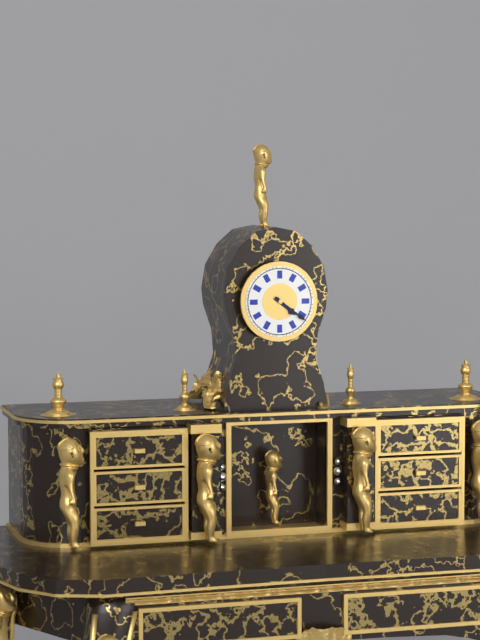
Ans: 4:21
